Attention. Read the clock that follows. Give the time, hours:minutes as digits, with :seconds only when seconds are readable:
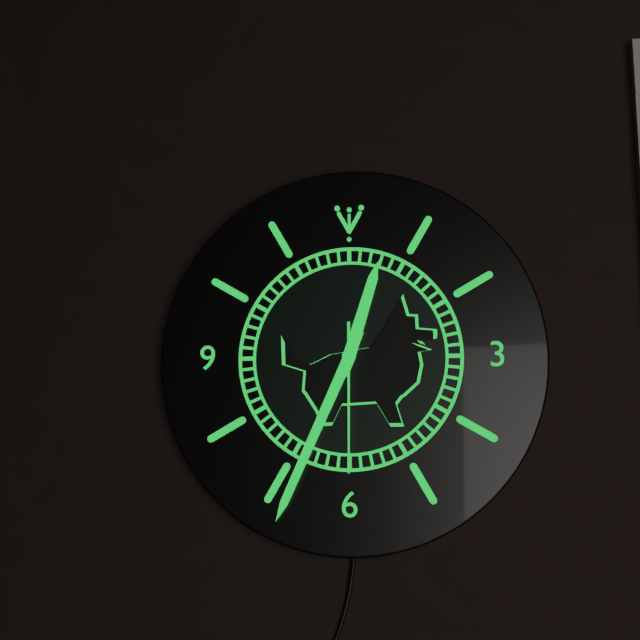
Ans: 12:34:30
